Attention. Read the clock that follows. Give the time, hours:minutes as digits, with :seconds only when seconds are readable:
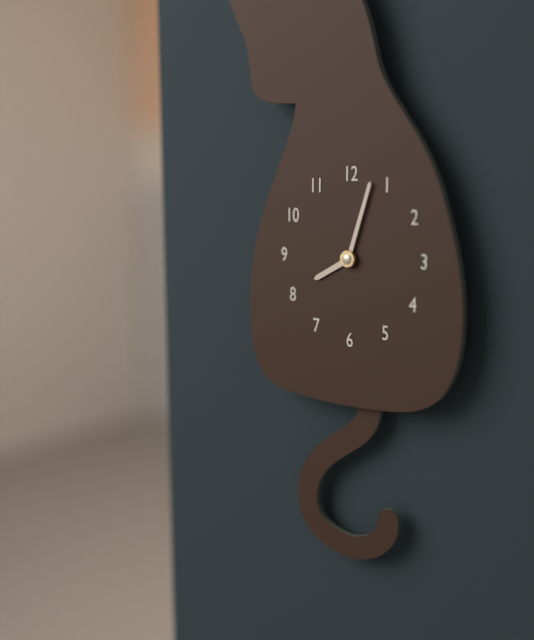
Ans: 8:03
